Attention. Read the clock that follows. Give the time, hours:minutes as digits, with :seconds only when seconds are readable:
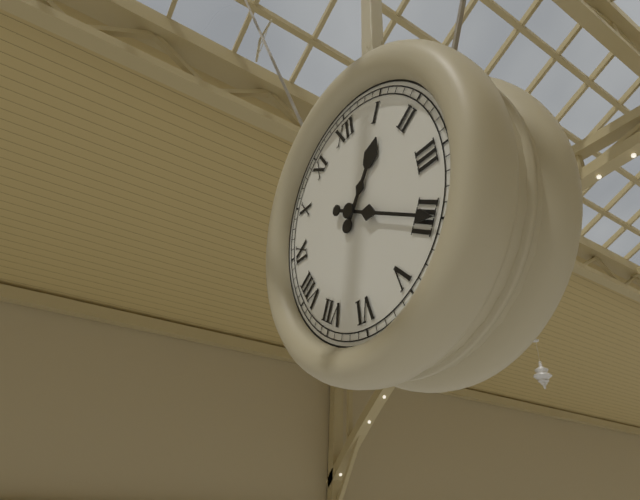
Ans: 1:20
